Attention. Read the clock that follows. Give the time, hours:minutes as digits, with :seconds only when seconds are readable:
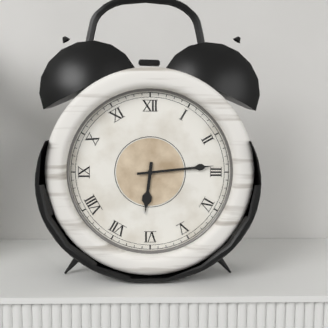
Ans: 6:14
